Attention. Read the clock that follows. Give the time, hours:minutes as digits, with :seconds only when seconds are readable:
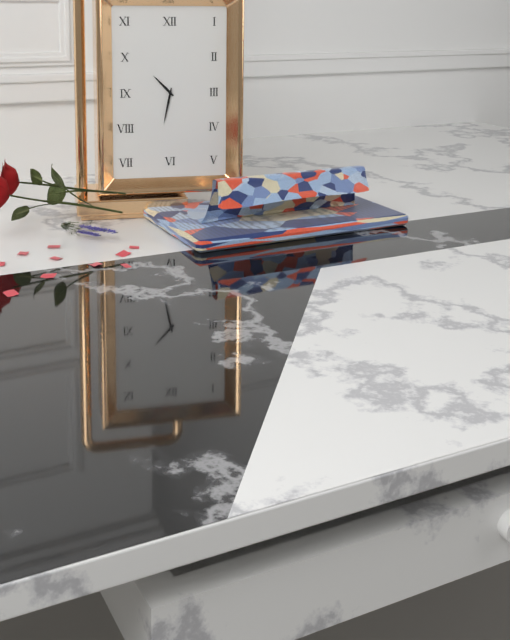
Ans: 10:32
